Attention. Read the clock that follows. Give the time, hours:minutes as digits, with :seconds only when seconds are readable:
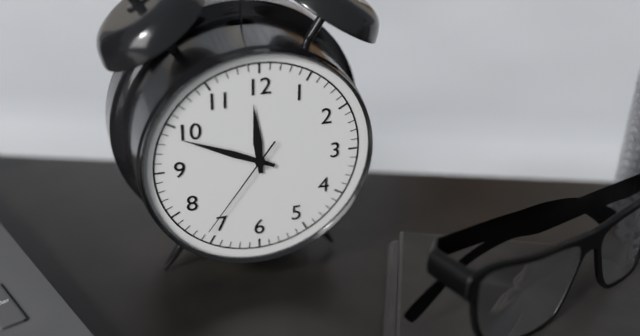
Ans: 11:49:36
